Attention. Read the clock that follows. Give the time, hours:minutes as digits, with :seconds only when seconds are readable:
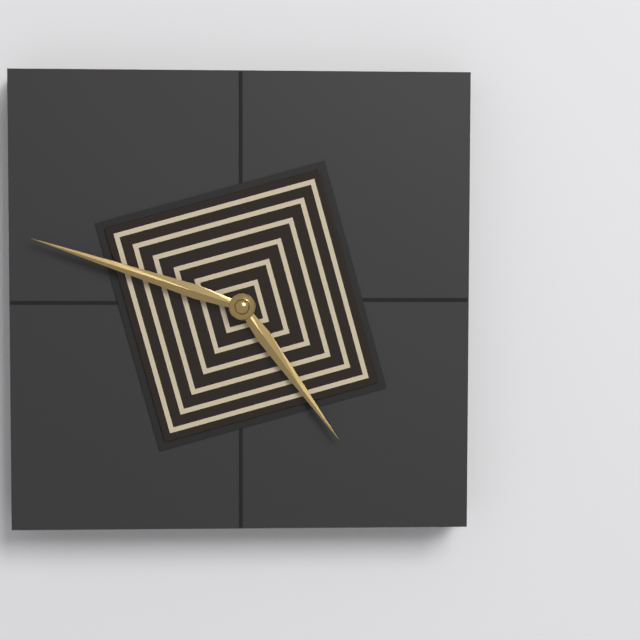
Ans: 4:48
